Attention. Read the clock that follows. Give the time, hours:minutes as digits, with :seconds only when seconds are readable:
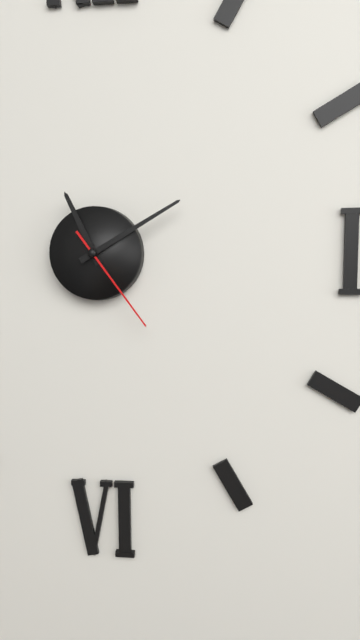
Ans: 11:10:24
